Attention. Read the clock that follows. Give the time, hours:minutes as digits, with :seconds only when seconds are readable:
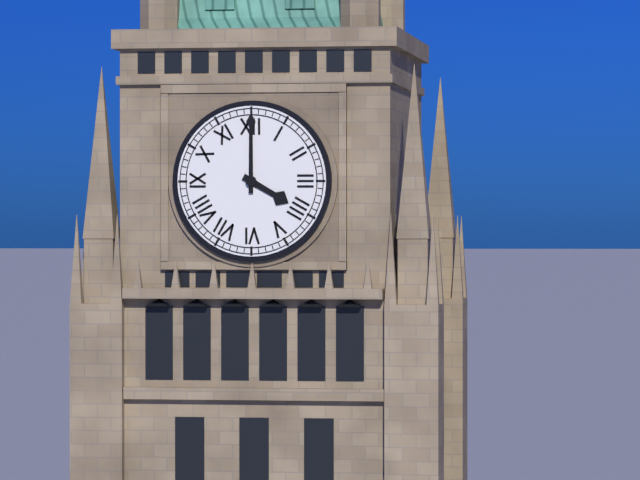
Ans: 4:00
